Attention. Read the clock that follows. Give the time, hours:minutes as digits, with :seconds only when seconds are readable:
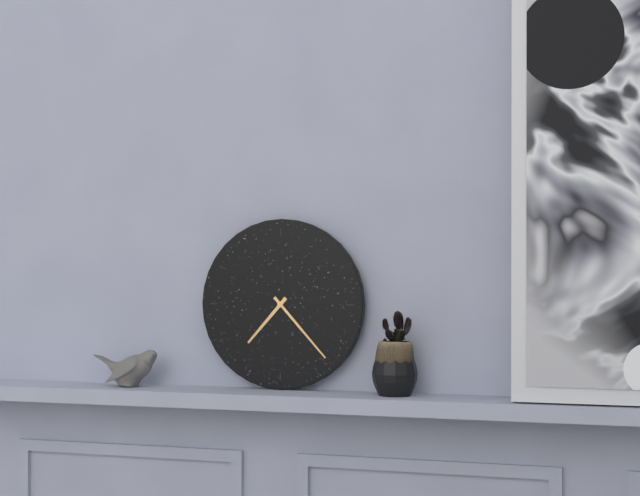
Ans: 7:23
